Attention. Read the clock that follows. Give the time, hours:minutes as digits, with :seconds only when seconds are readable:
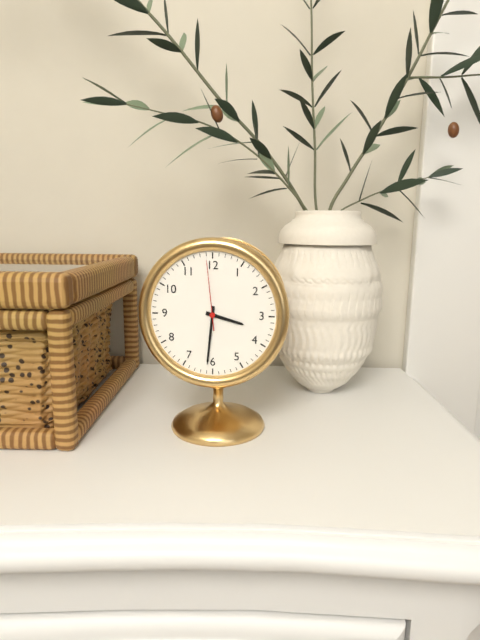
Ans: 3:31:59
